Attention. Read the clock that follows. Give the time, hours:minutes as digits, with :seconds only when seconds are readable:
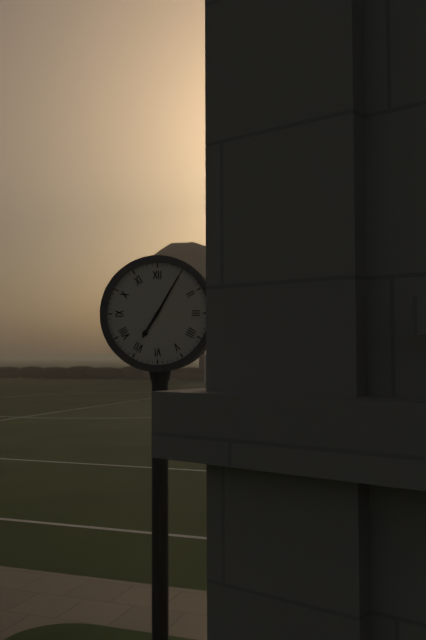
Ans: 7:05
